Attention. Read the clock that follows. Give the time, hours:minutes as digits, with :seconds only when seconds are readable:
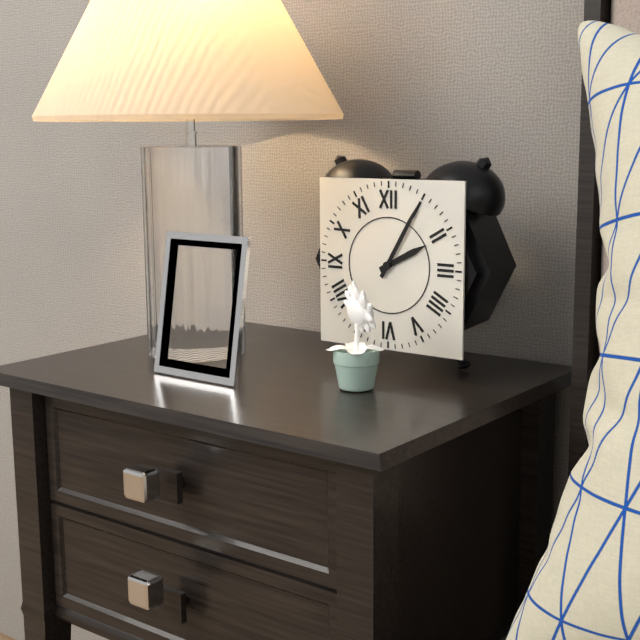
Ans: 2:05
